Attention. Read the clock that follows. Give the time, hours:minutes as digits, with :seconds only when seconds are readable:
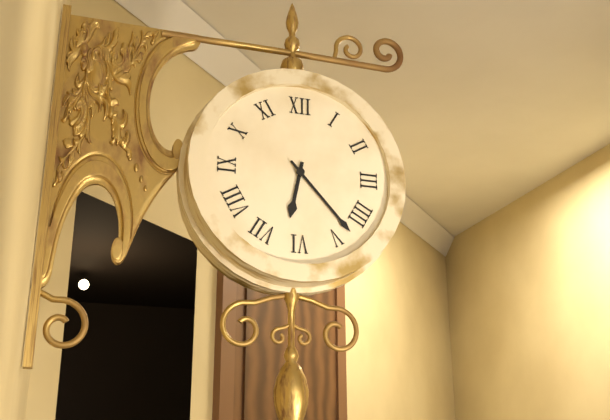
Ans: 6:23
